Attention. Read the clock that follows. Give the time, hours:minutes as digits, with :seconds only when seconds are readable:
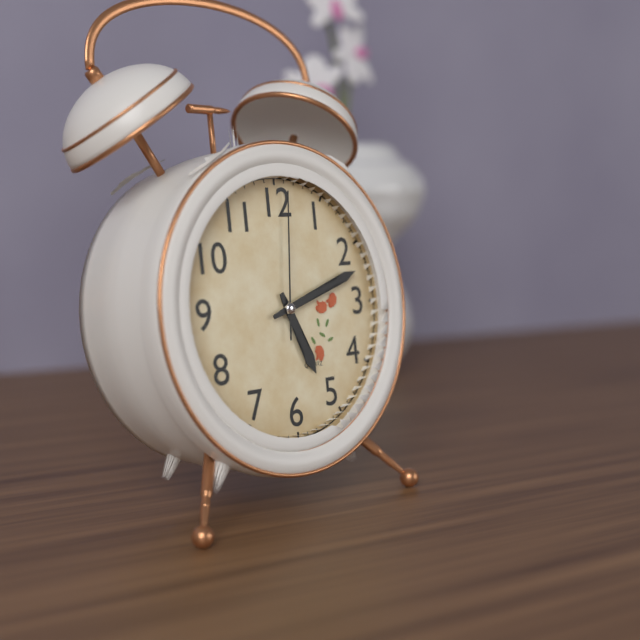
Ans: 5:12:01
